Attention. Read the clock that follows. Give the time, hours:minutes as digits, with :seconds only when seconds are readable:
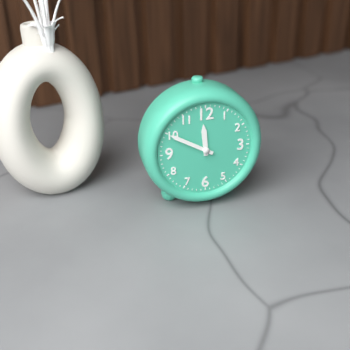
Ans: 11:50
